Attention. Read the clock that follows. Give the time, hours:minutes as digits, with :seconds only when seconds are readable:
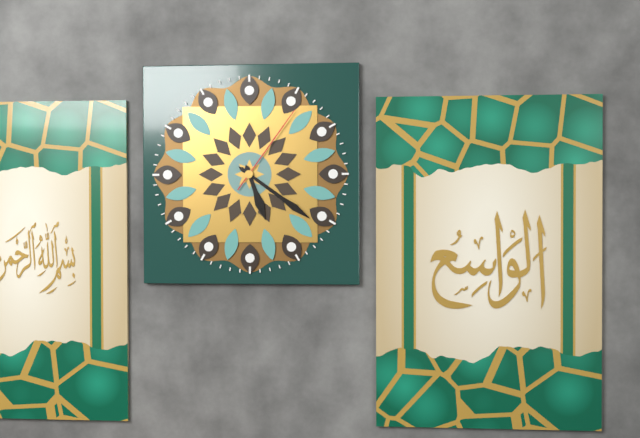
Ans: 5:21:06
